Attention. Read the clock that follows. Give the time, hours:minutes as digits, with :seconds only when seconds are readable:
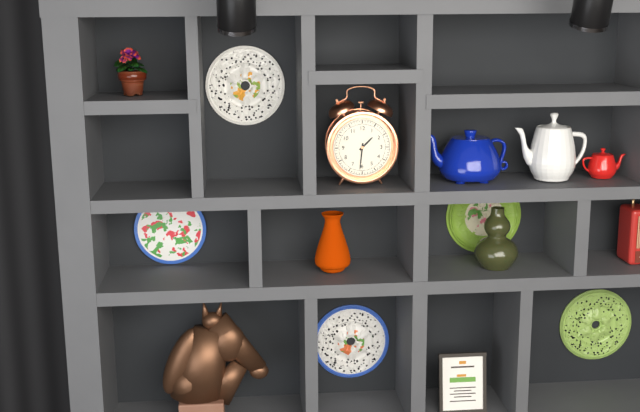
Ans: 1:31
